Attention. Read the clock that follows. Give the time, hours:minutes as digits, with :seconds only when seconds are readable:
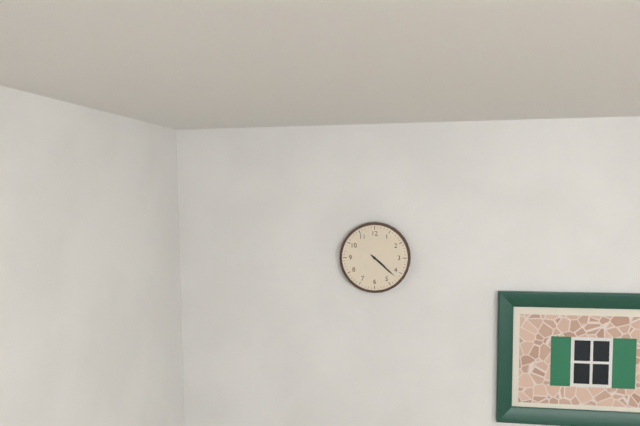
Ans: 4:22
